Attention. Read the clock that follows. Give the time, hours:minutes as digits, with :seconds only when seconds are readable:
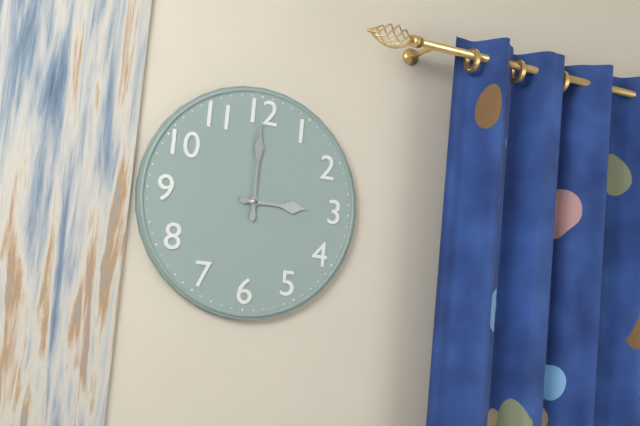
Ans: 3:00
